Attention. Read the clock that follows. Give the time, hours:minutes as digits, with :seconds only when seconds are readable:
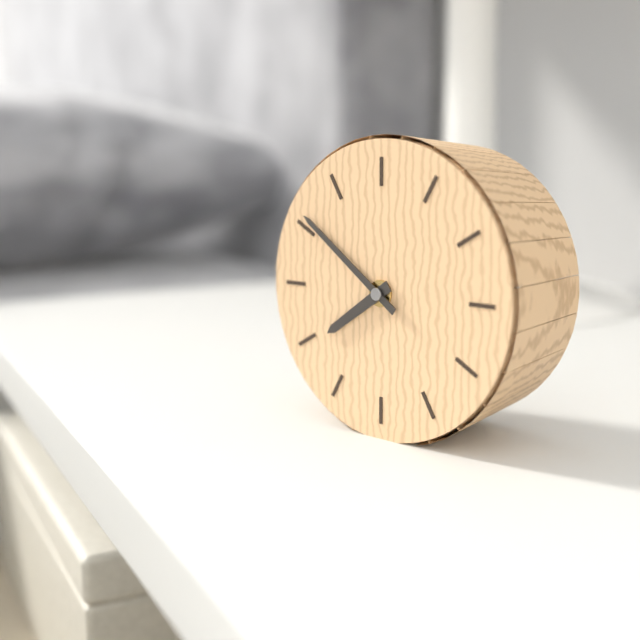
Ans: 7:51
